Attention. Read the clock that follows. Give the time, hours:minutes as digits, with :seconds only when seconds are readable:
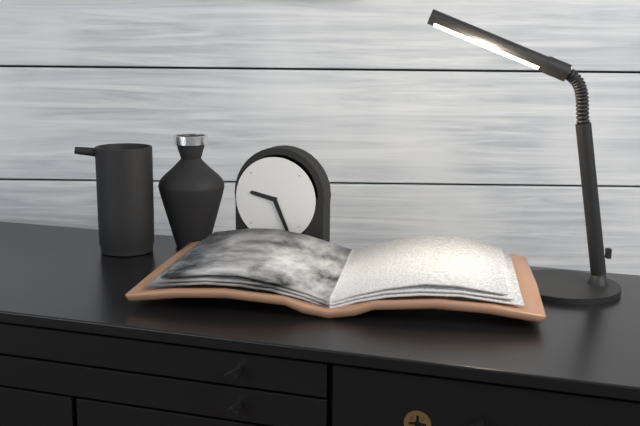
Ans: 9:26
